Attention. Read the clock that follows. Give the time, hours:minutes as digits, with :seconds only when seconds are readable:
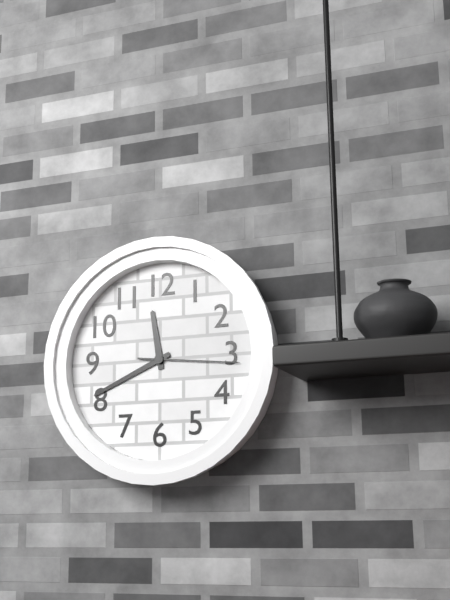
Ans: 11:41:16
